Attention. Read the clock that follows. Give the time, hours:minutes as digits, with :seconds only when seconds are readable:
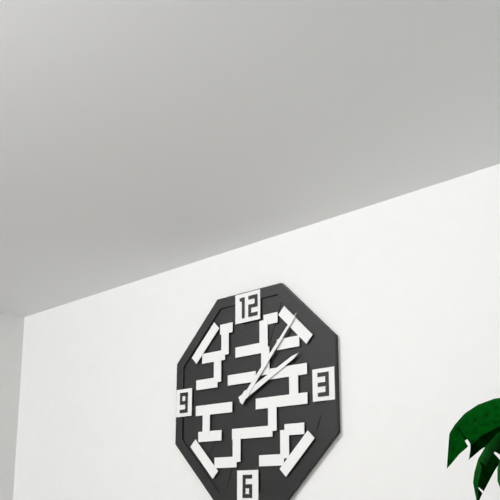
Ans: 2:07
